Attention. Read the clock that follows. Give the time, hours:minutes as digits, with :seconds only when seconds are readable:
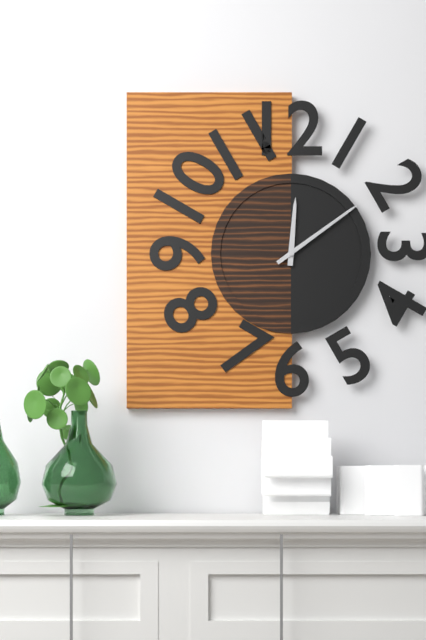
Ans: 12:09
